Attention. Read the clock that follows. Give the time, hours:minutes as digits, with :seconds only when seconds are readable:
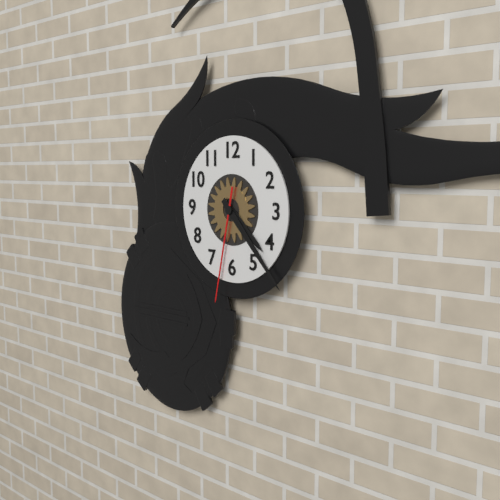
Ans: 4:23:32
